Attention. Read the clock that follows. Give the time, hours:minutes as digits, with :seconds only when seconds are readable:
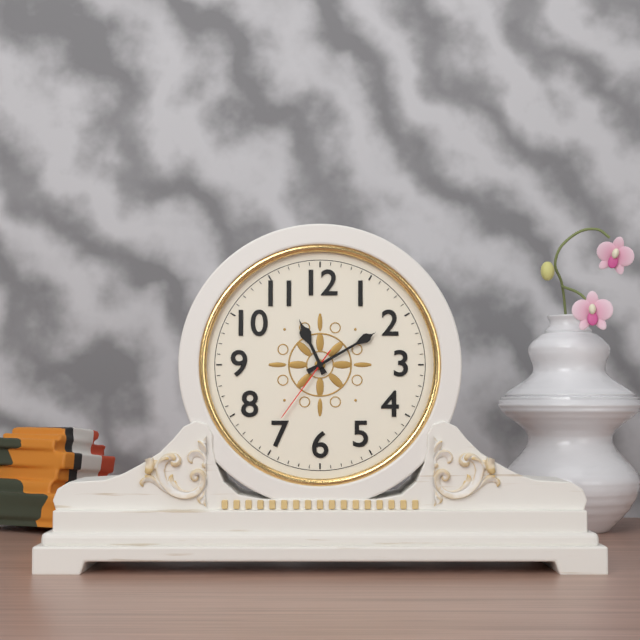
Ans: 11:10:36
